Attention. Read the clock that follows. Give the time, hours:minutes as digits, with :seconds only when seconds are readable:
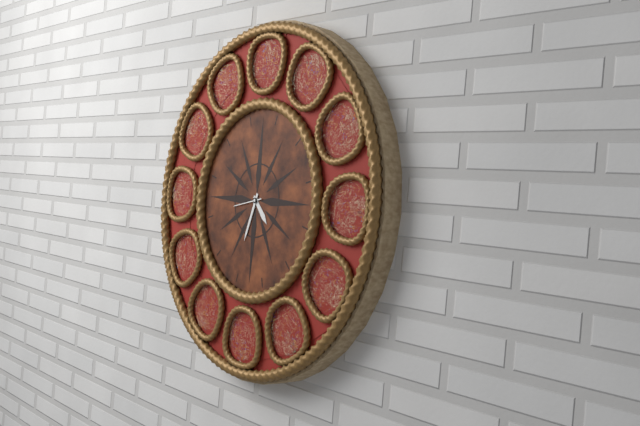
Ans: 4:33
